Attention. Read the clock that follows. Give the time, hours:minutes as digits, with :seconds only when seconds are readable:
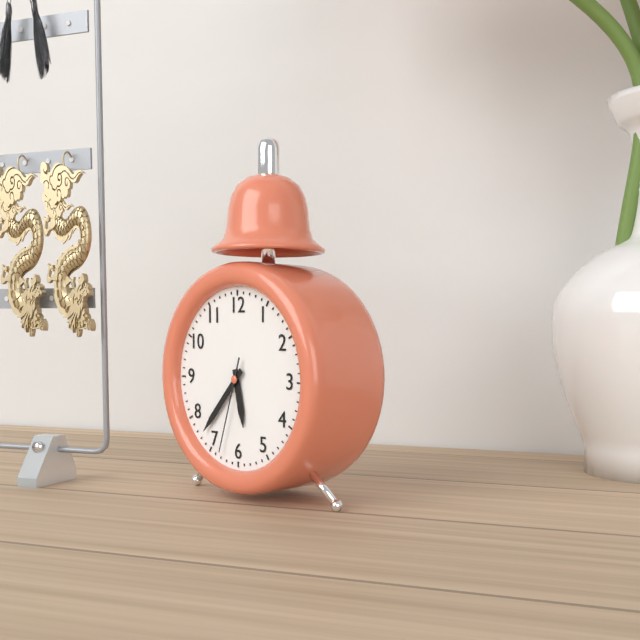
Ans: 5:37:33
